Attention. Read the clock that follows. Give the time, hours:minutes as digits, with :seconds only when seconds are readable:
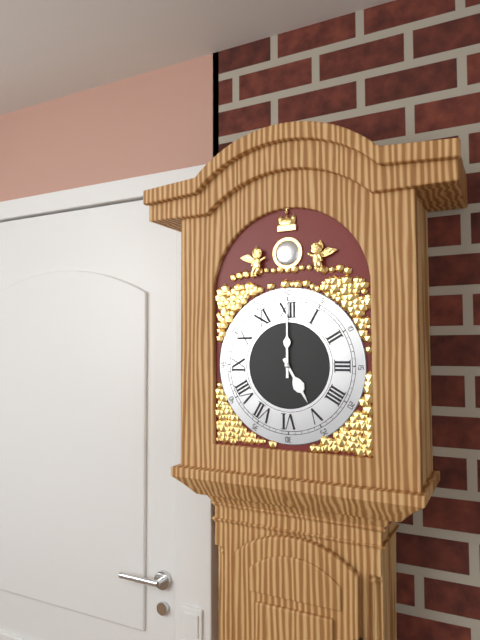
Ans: 5:00
